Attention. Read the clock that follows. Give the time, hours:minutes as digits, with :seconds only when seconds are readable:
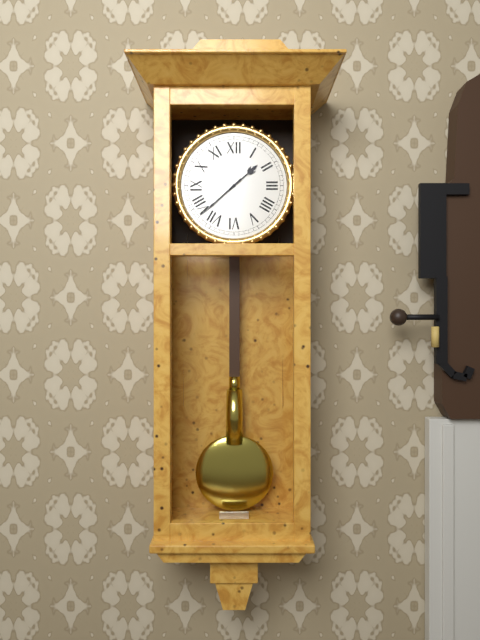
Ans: 1:38
